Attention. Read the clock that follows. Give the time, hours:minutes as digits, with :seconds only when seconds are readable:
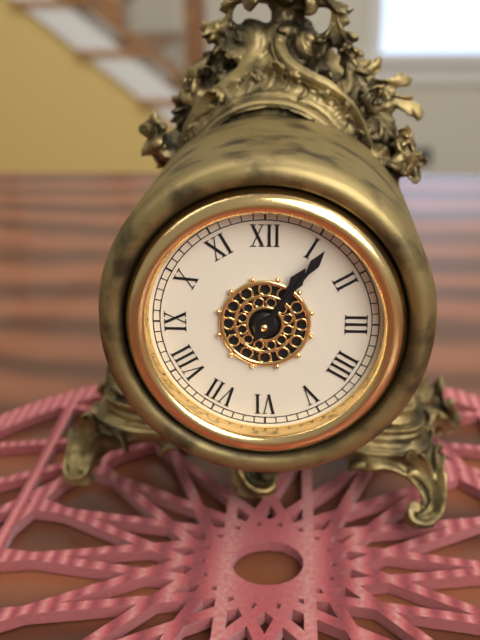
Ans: 1:06
